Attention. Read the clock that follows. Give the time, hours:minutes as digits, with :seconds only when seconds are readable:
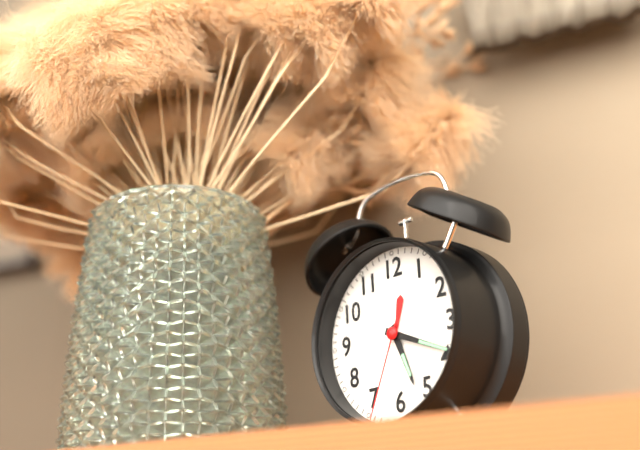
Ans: 5:19:34
